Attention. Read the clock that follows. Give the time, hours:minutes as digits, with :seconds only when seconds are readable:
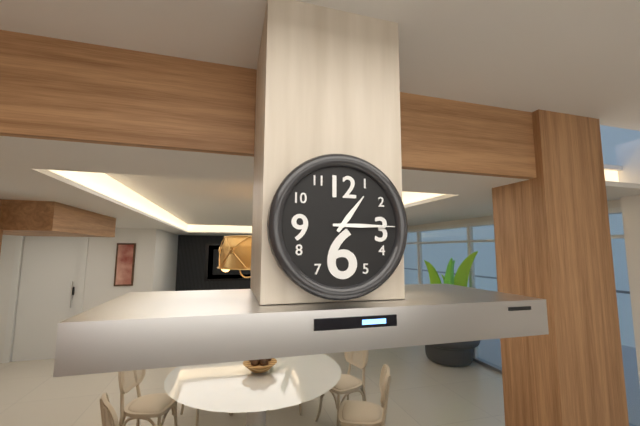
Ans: 1:15
